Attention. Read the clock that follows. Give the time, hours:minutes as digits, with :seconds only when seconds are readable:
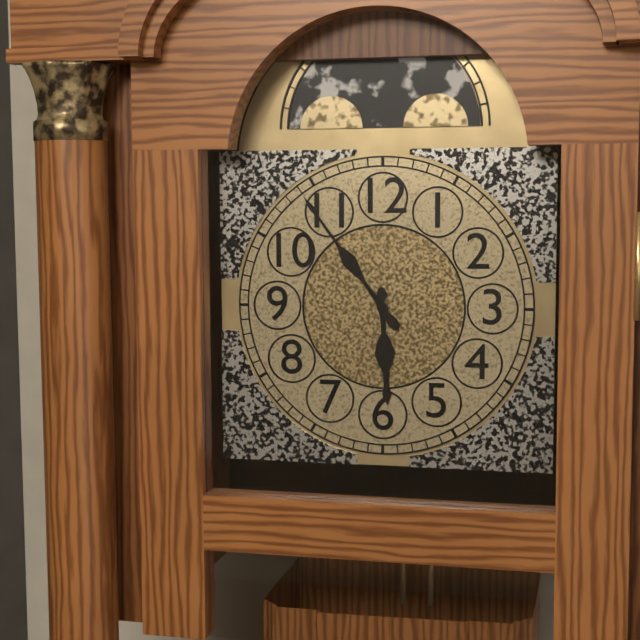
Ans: 5:54
